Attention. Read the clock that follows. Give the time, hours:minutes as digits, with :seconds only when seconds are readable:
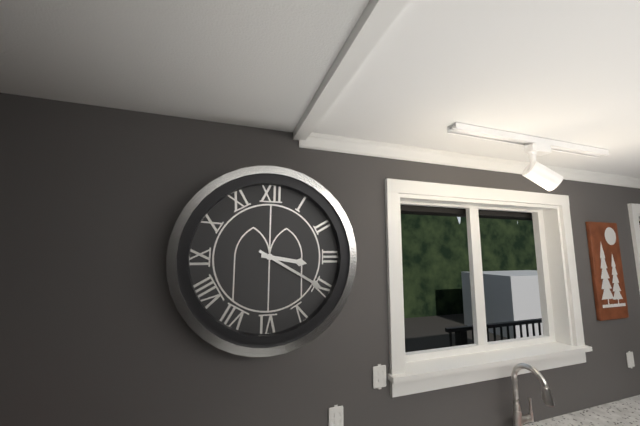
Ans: 3:20
